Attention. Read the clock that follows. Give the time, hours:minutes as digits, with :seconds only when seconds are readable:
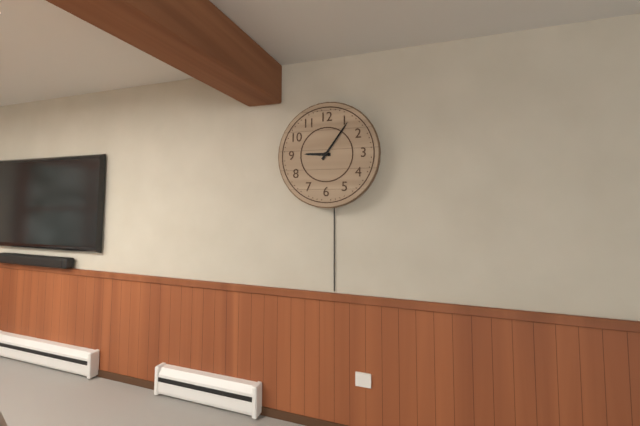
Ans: 9:06
